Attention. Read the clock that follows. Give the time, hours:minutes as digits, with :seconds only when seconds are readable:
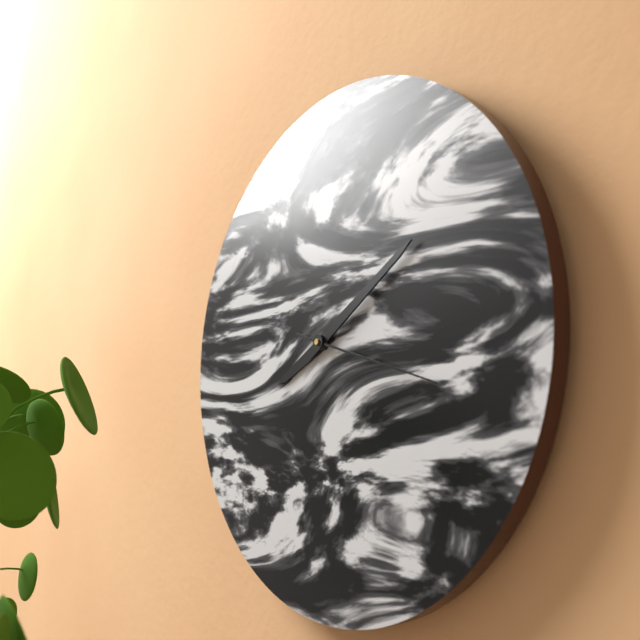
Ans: 8:10:18
